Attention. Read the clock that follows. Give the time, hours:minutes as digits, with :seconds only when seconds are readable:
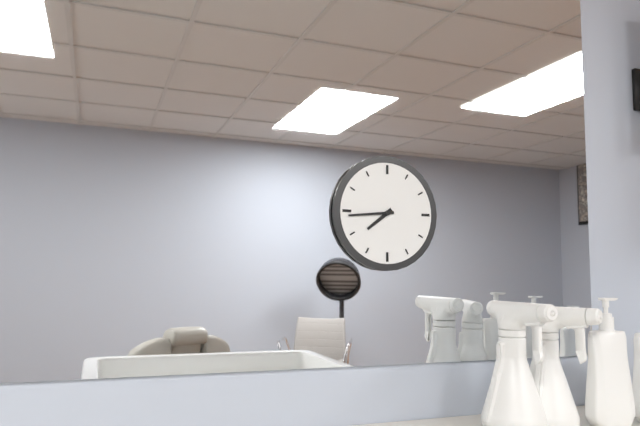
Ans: 7:44
